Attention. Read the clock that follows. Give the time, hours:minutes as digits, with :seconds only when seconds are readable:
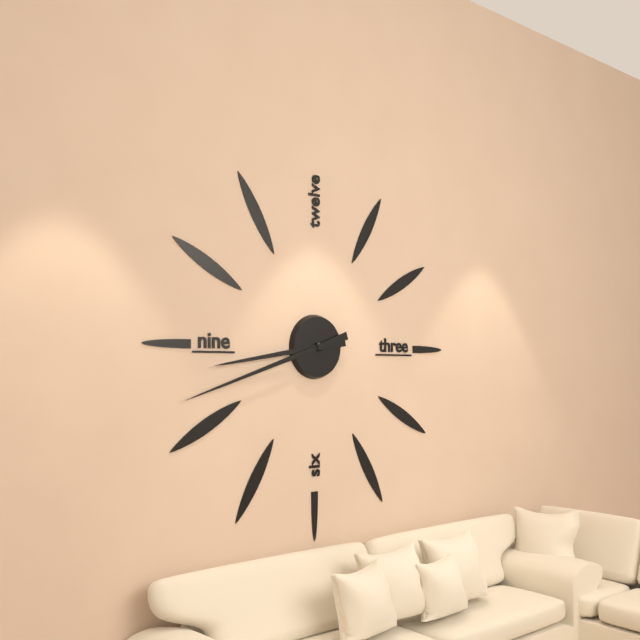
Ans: 8:42
